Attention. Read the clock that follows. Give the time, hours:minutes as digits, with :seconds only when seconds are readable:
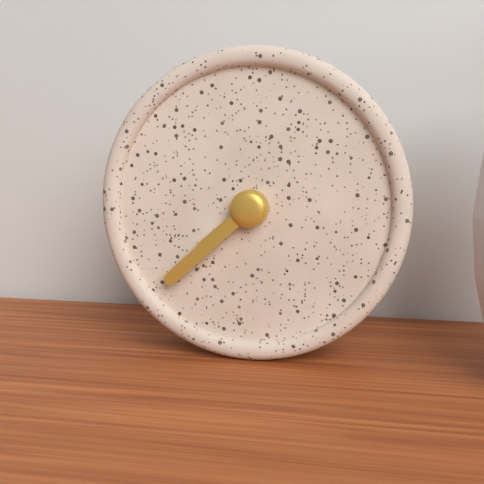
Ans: 7:38
